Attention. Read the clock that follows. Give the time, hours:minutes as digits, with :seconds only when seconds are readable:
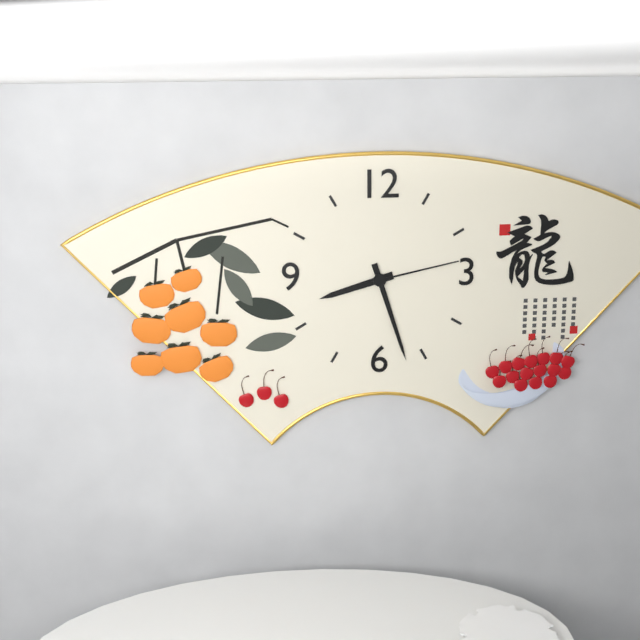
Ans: 8:27:13
